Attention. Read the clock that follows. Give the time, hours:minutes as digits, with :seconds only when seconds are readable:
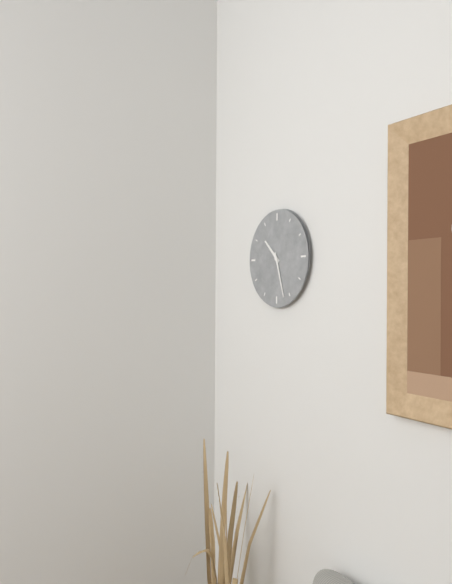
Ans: 10:27
